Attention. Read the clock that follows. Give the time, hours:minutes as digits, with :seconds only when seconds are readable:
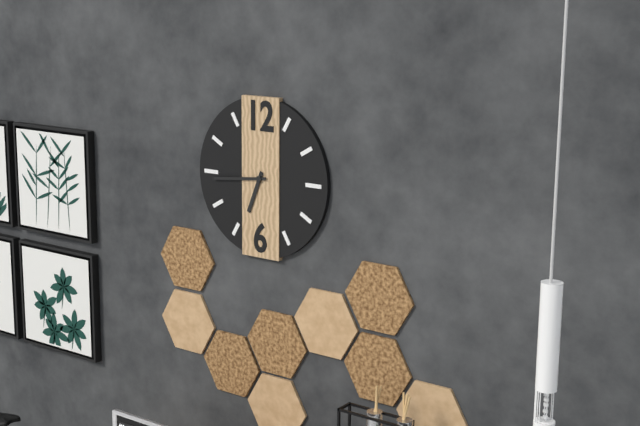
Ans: 6:44
